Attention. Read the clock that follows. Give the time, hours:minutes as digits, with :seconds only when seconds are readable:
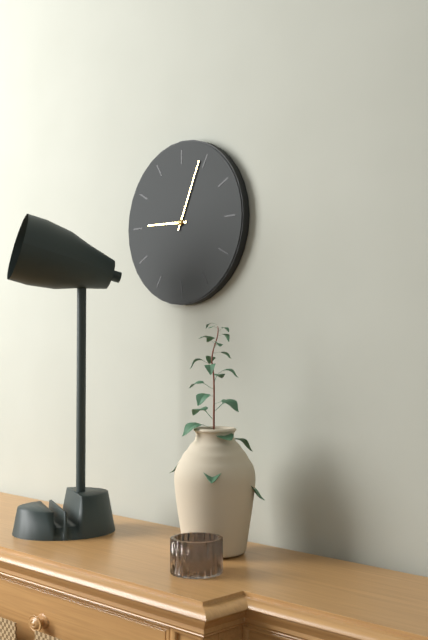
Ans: 9:04
